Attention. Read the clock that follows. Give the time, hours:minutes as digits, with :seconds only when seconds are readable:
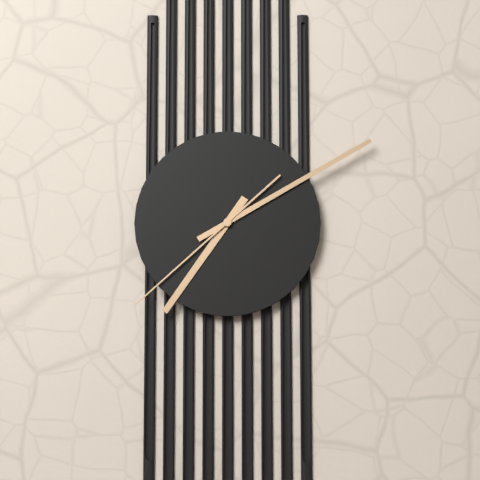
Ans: 7:10:38
